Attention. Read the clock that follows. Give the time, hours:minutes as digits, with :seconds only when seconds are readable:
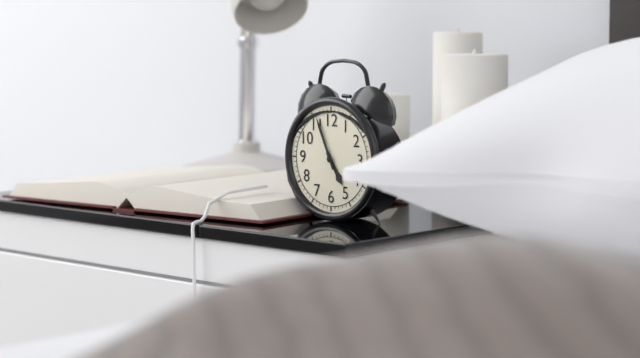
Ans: 4:56
